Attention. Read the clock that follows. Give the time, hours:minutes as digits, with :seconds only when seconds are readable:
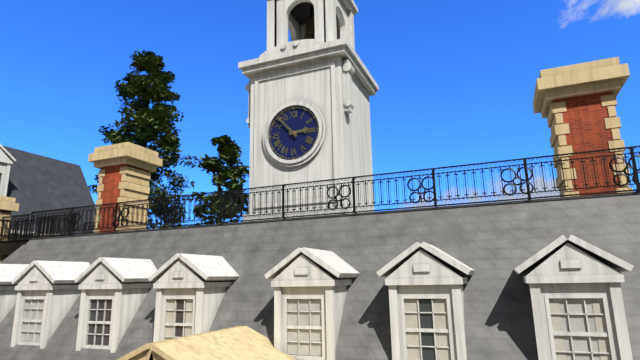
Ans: 2:53
